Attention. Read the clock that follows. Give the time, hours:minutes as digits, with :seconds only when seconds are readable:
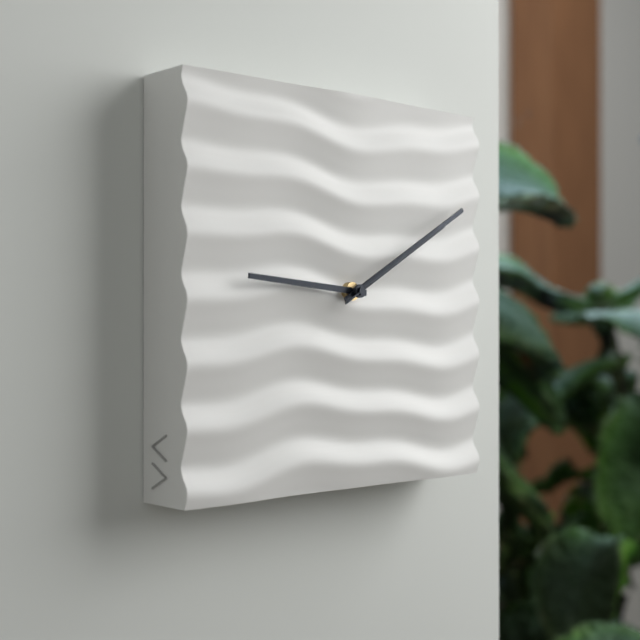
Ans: 9:10:10
